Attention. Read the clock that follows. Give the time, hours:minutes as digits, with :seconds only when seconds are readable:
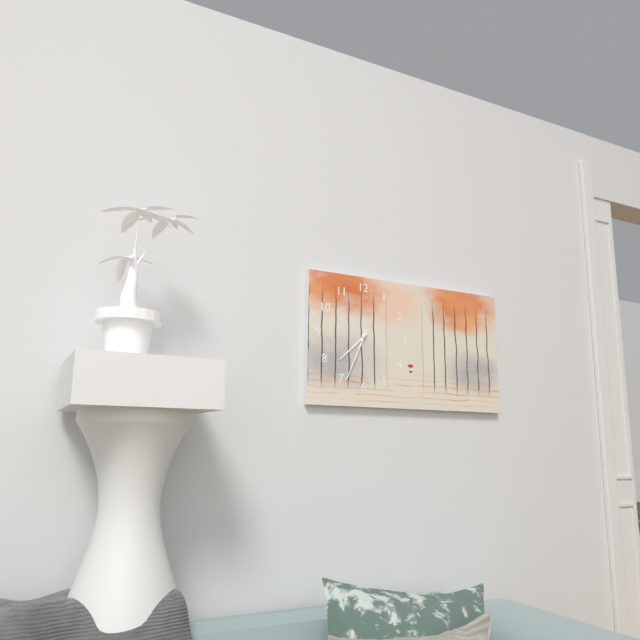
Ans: 7:34
